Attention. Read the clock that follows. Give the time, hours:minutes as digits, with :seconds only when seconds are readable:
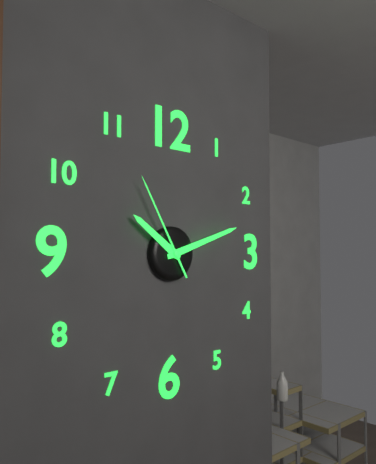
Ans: 10:12:55
